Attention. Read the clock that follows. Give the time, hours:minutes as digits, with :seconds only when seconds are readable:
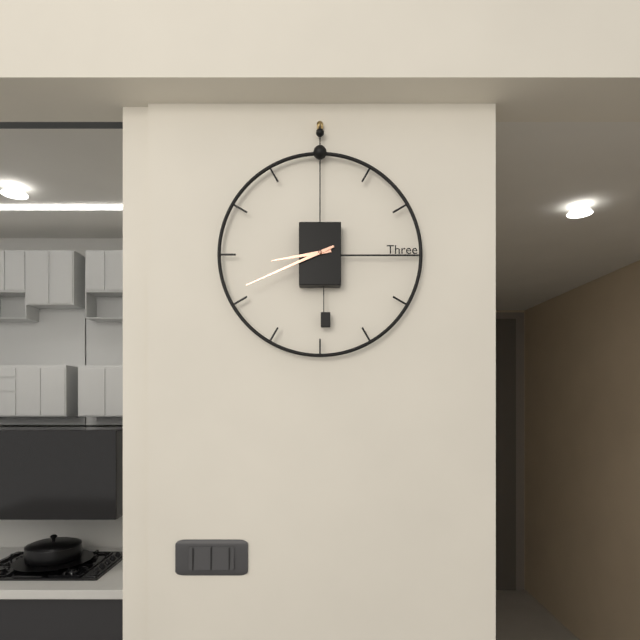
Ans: 8:41
